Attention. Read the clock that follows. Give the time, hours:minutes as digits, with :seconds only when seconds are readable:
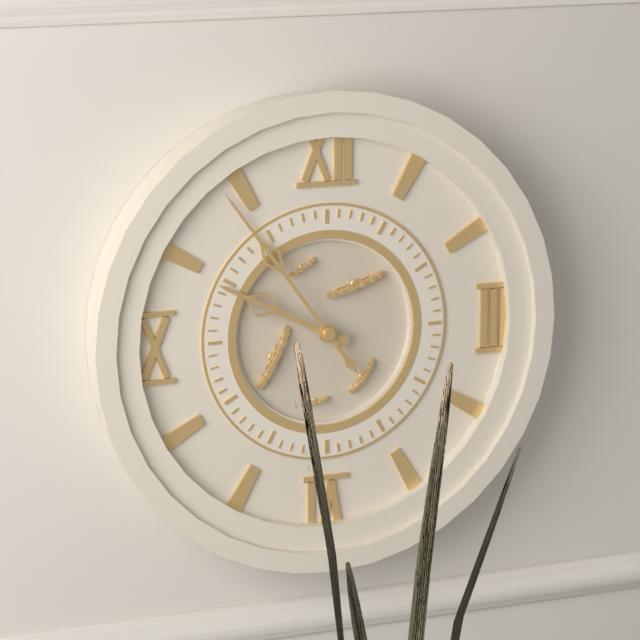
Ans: 9:54
